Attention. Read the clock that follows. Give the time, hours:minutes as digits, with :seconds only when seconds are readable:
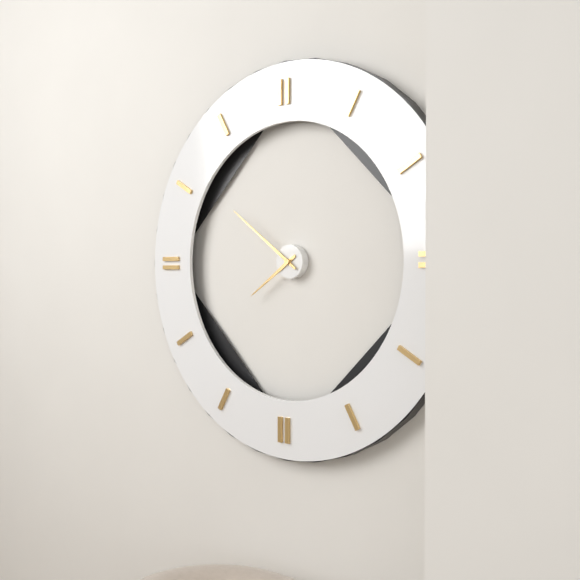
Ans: 7:51
